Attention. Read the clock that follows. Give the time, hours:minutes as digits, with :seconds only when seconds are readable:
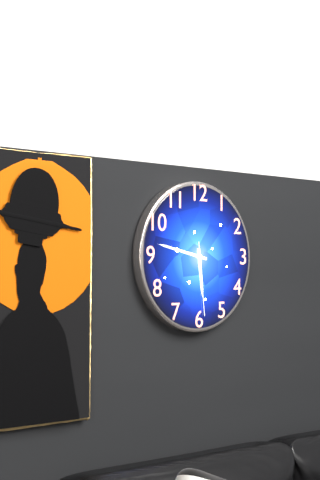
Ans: 5:47:29
